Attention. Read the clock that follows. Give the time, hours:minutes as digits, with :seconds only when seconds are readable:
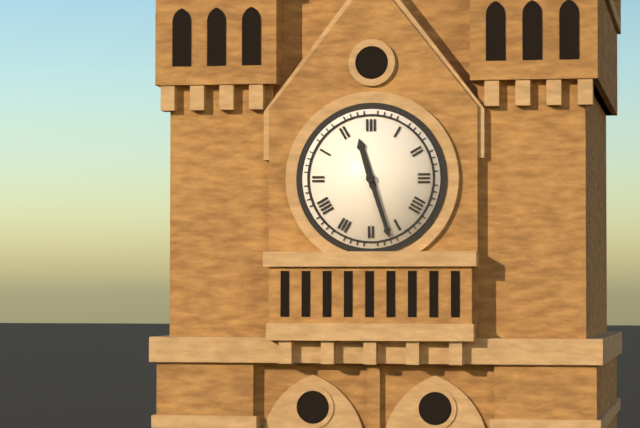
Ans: 11:27
